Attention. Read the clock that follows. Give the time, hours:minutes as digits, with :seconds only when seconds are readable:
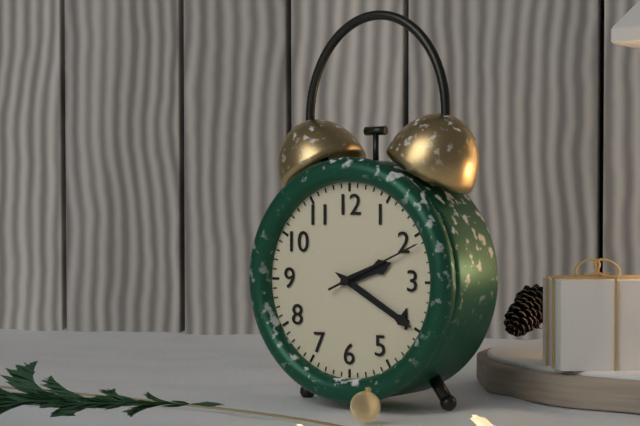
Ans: 2:20:11
